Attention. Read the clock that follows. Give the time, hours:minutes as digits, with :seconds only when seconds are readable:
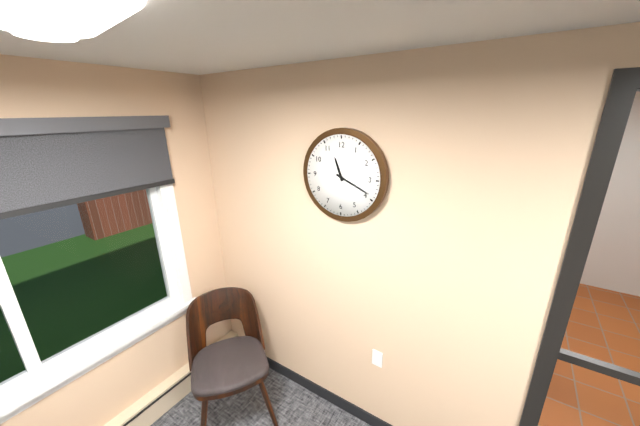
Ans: 11:19
